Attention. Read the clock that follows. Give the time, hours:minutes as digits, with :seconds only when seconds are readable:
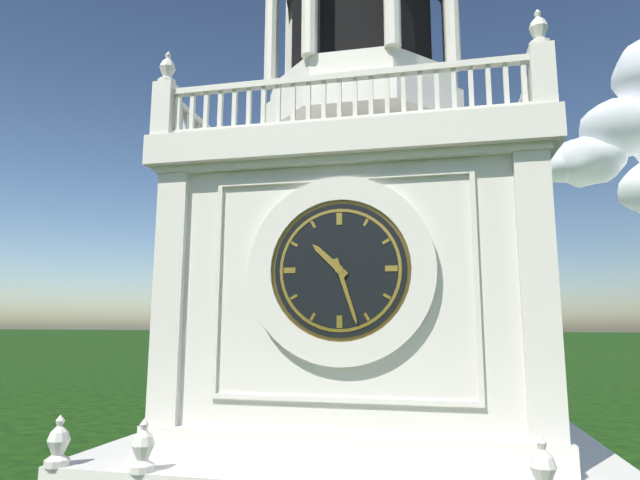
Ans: 10:27
